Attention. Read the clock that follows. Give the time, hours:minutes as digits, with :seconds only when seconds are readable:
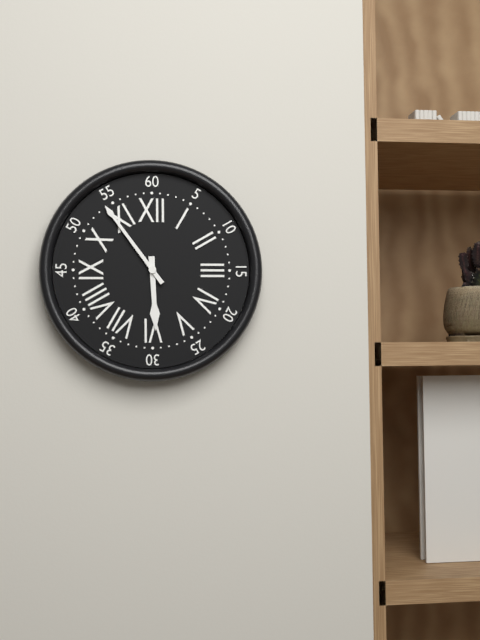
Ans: 5:54
